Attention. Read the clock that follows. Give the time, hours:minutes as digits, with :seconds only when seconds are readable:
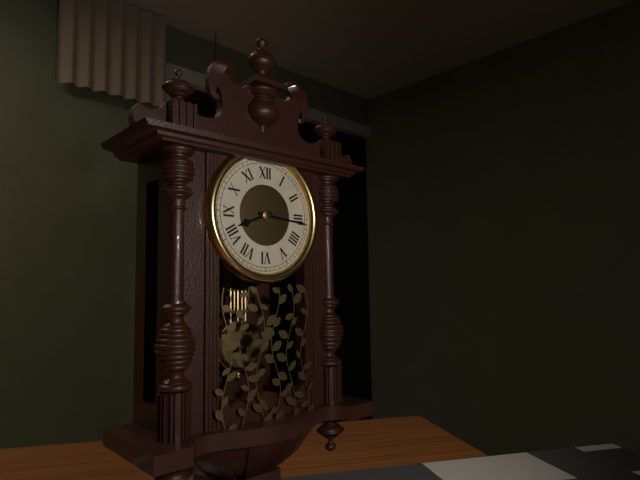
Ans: 8:16
